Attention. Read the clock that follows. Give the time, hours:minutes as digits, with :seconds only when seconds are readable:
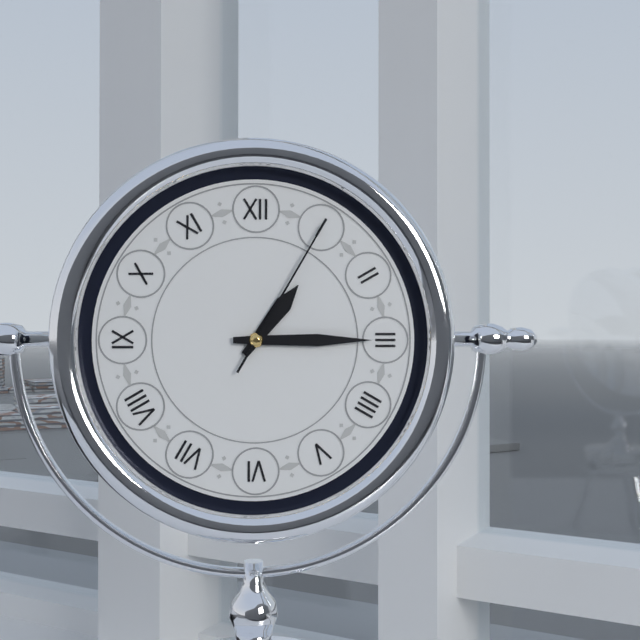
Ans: 1:15:05
